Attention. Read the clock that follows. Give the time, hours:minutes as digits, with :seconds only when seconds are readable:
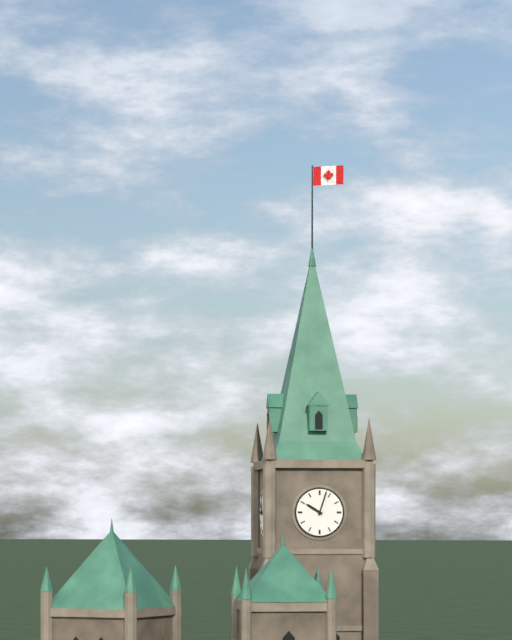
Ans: 10:03
